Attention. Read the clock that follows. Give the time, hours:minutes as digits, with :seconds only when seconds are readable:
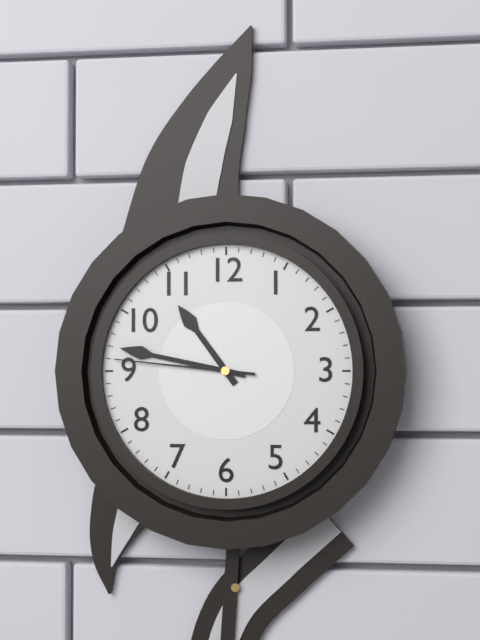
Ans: 10:47:46
